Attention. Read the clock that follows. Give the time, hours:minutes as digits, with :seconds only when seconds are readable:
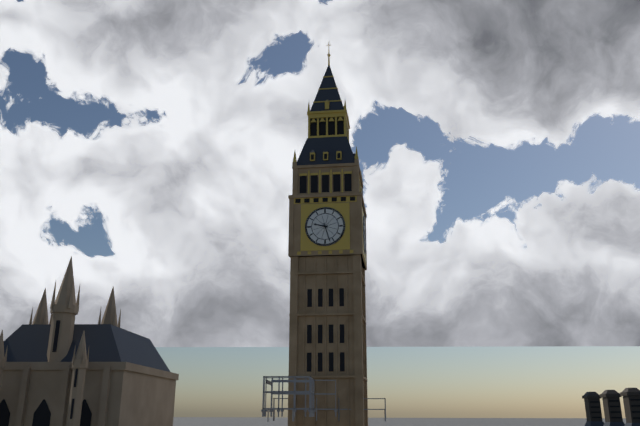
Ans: 9:27
